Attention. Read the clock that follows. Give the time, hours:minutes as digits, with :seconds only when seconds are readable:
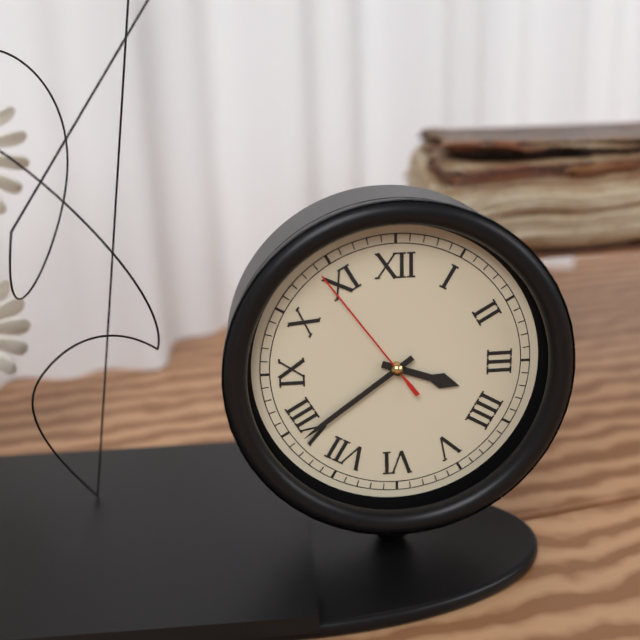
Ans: 3:39:54
